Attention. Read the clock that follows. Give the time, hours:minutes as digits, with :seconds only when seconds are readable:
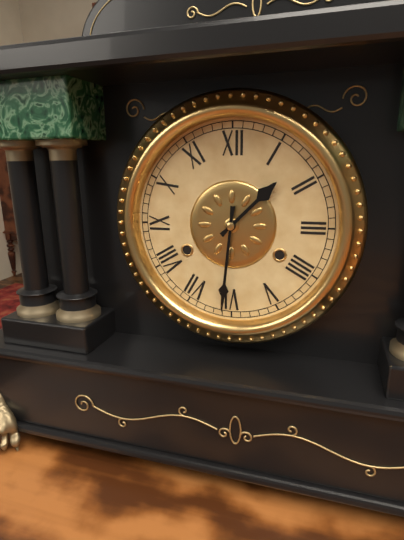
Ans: 1:31
